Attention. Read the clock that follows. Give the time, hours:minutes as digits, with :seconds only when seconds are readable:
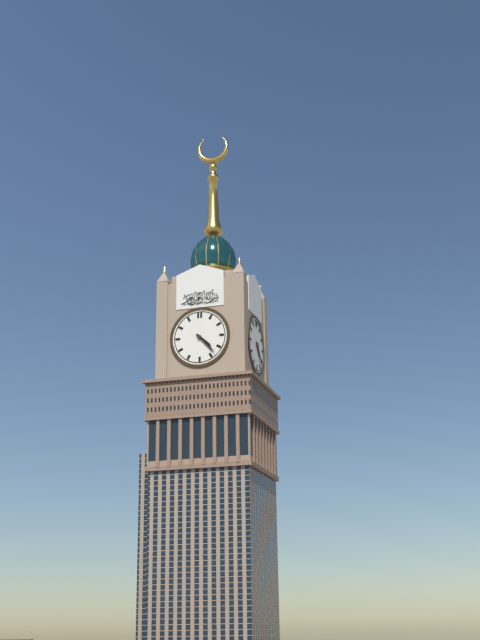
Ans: 4:23
